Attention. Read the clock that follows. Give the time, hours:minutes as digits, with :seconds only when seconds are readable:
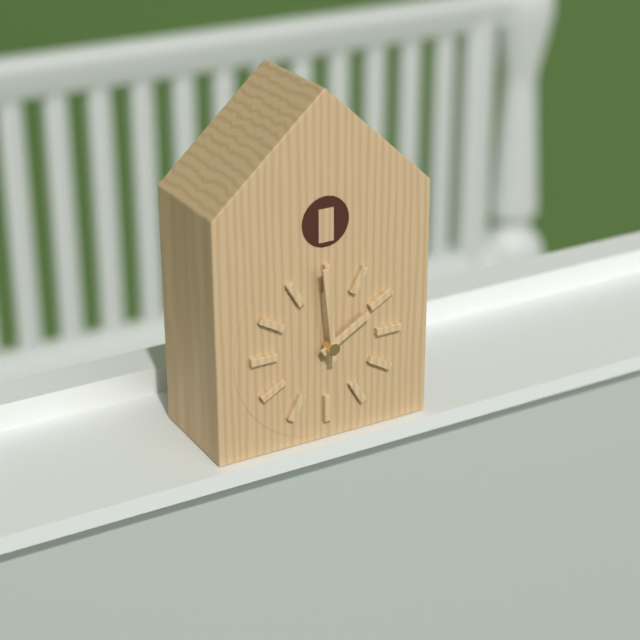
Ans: 1:59
